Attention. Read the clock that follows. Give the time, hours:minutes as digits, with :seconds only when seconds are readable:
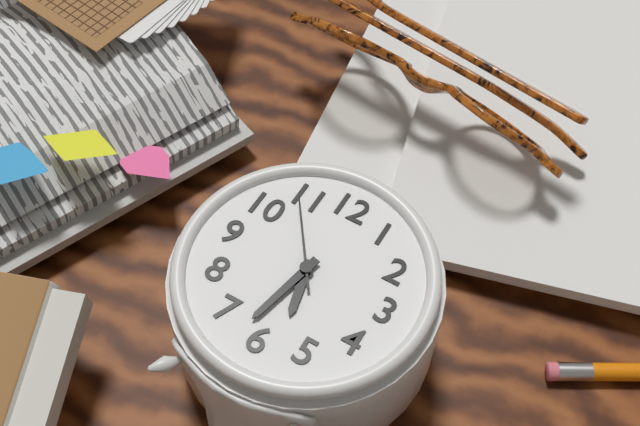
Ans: 5:32:54
